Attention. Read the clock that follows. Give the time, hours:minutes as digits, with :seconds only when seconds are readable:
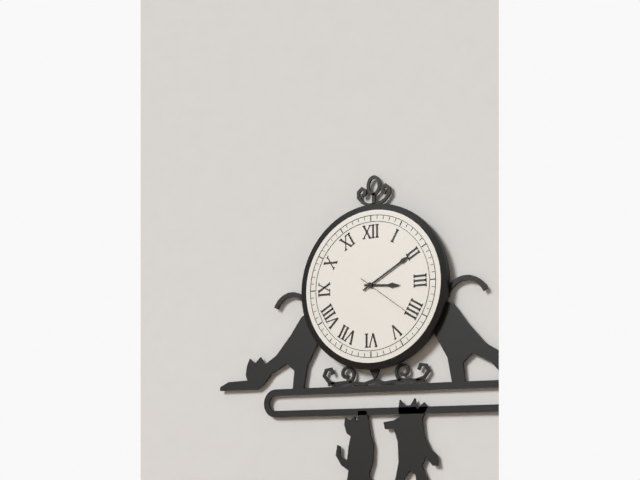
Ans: 3:10:21
